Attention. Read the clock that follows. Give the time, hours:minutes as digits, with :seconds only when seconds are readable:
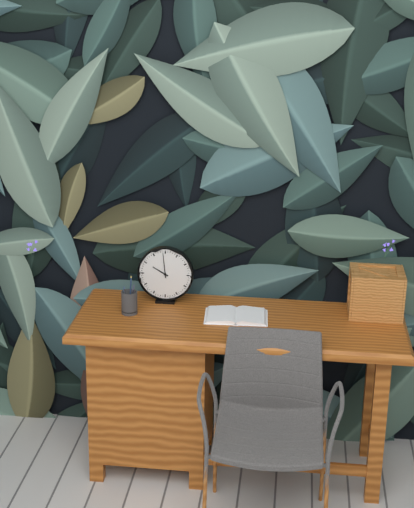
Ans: 9:59
